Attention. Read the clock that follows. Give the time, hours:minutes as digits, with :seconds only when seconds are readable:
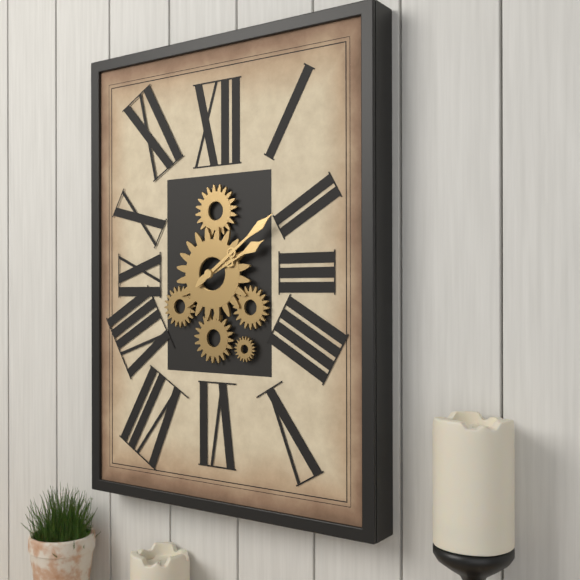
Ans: 2:09
